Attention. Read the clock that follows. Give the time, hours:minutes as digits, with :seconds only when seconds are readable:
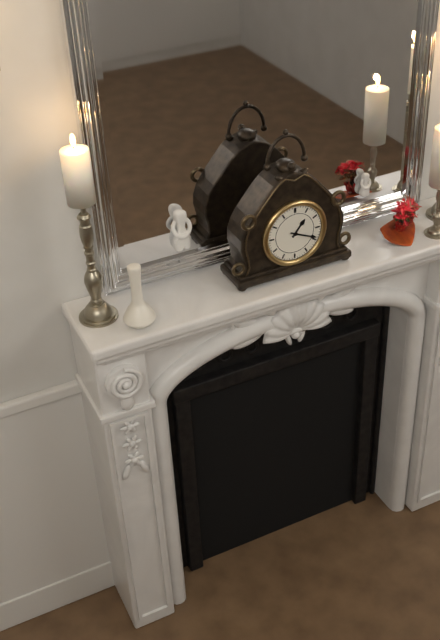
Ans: 1:19
